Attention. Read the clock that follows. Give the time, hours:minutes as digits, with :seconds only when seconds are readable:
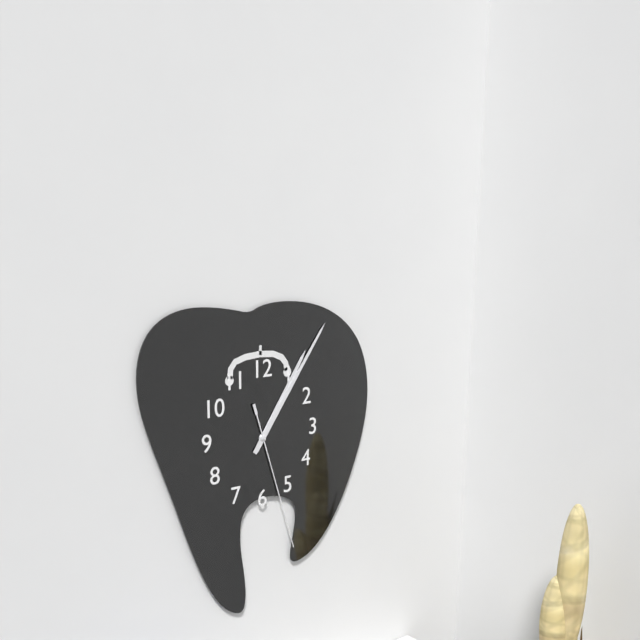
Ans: 1:06:27
